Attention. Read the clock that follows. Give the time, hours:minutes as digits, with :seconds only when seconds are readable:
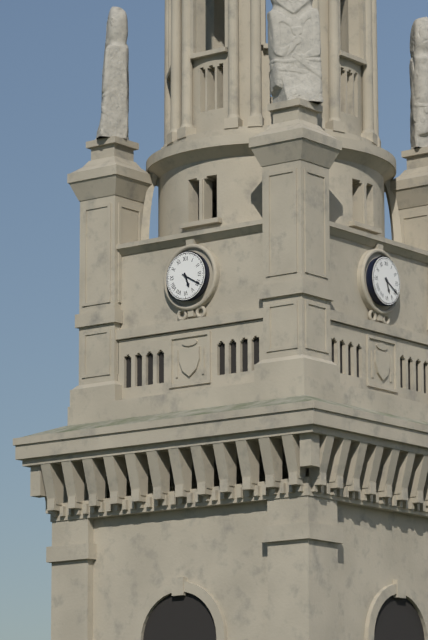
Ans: 5:20
